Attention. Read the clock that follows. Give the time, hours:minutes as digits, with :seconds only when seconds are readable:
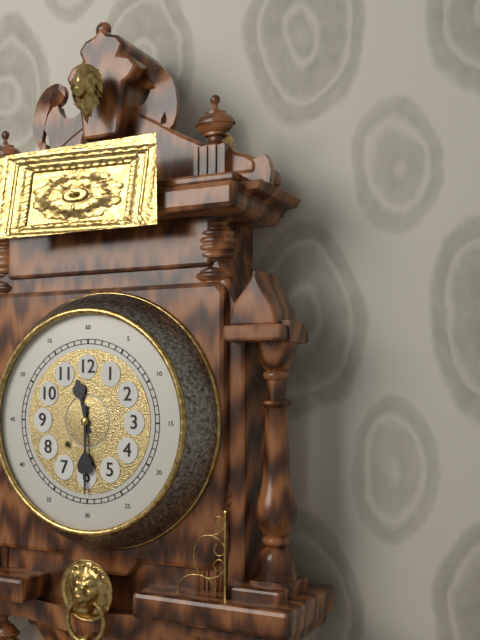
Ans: 11:30
